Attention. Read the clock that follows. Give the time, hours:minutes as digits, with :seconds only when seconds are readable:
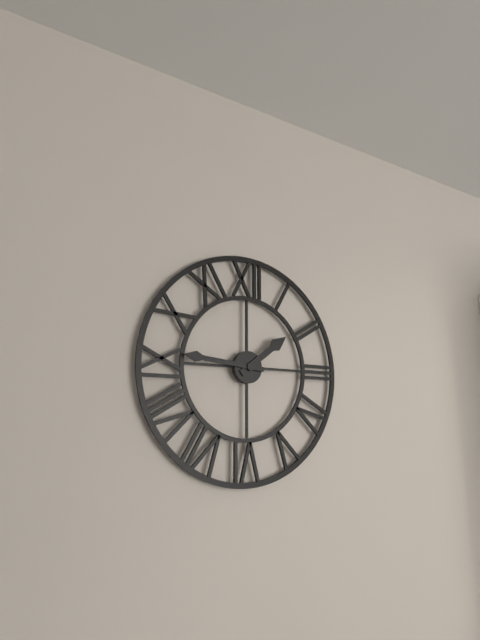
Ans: 1:46
